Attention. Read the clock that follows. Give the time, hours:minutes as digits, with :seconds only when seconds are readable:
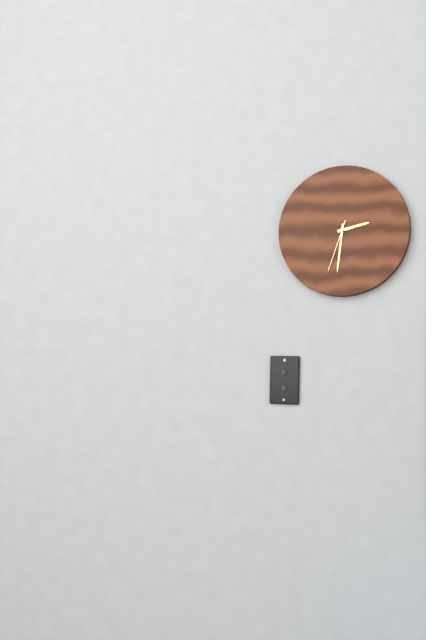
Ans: 2:31:33
